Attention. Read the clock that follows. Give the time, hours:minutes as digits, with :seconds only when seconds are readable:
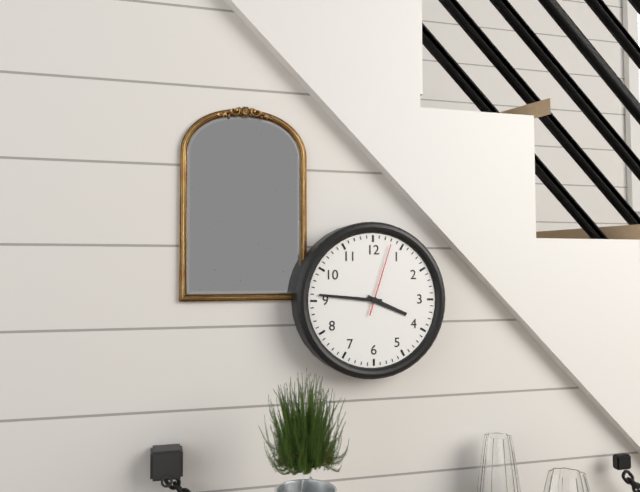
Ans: 3:46:03
